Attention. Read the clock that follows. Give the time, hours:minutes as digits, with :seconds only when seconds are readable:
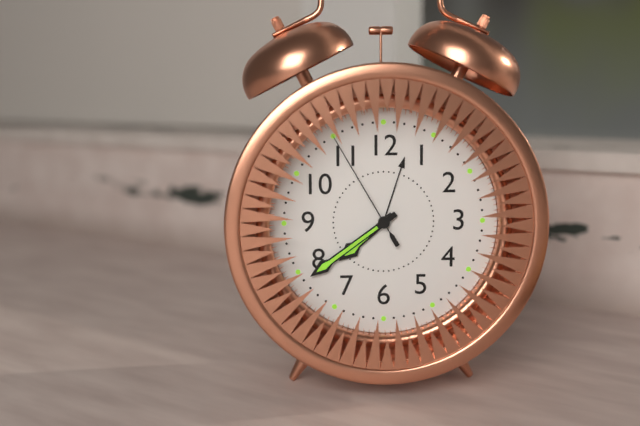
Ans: 7:39:55
